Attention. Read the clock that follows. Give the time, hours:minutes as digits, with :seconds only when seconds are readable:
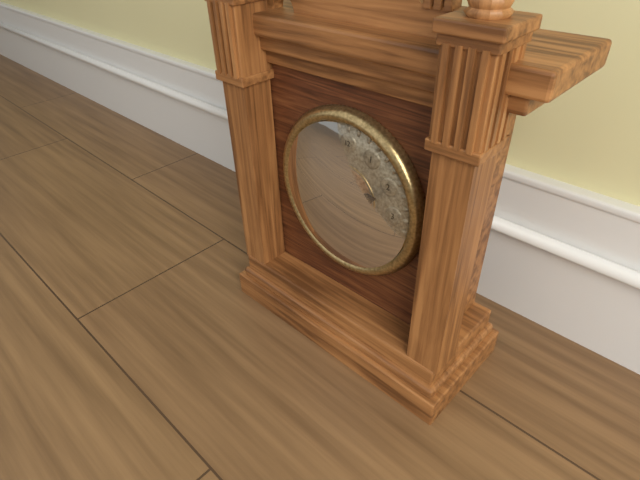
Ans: 2:18
